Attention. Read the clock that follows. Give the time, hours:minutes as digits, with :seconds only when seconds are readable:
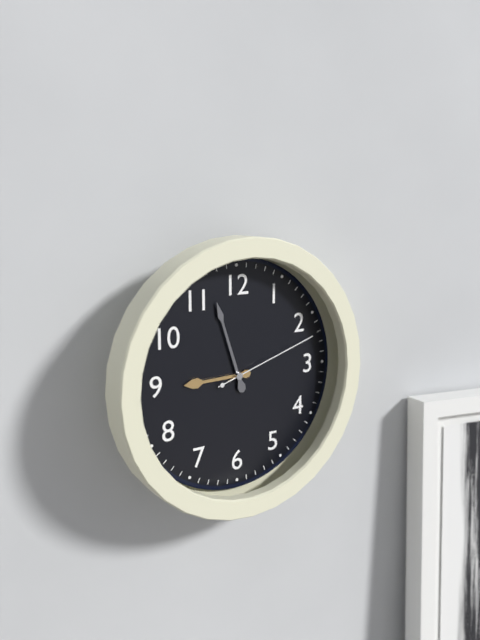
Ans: 8:57:12
